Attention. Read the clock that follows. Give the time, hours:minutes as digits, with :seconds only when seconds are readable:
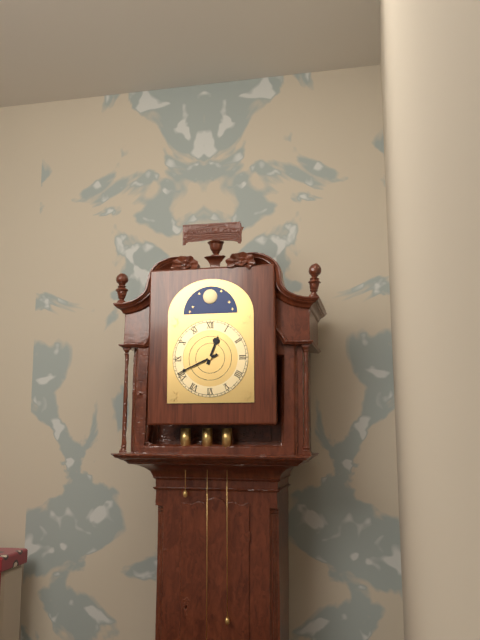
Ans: 12:41
